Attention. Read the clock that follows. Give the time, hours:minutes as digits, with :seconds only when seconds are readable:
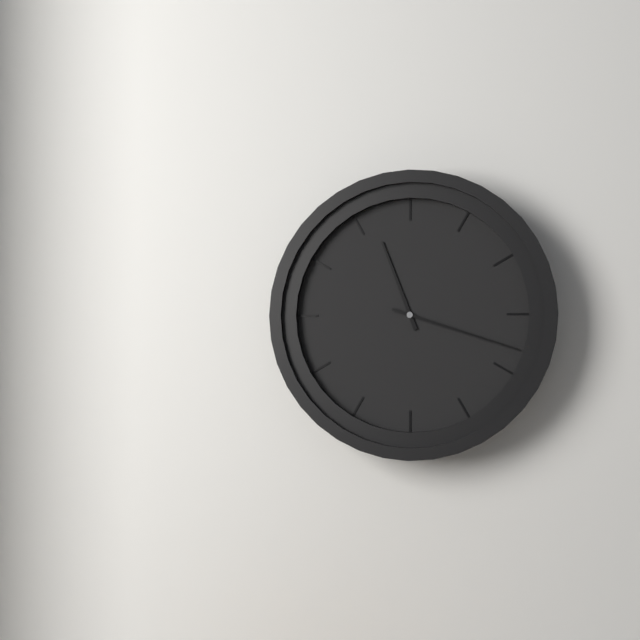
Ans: 11:18
